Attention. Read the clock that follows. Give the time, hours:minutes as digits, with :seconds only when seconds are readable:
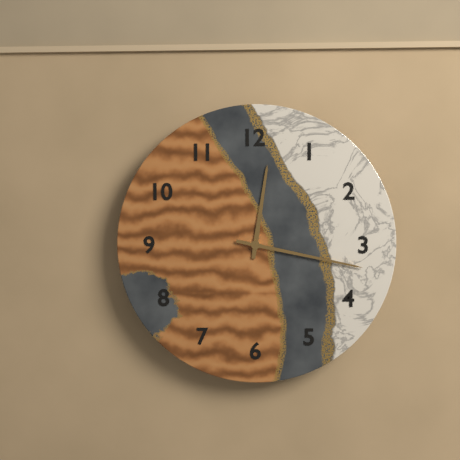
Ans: 12:17
